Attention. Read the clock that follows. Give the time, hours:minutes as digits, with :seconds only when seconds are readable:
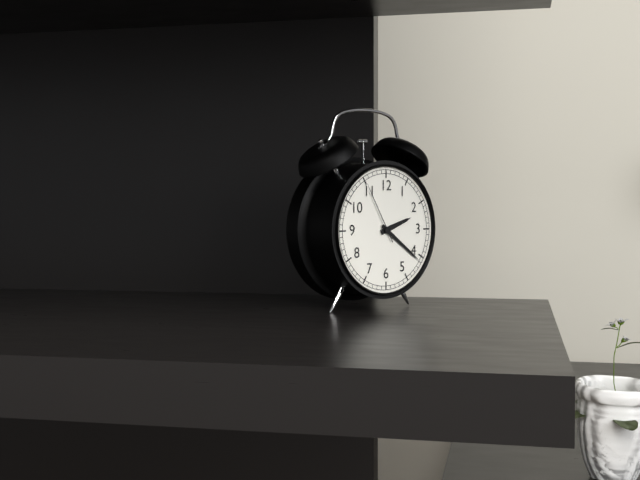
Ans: 2:21:55
